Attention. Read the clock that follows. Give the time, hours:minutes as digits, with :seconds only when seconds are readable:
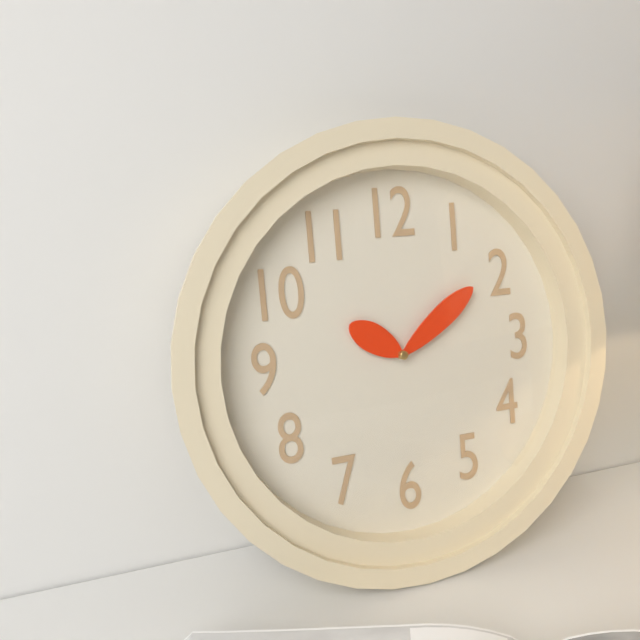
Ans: 10:09
